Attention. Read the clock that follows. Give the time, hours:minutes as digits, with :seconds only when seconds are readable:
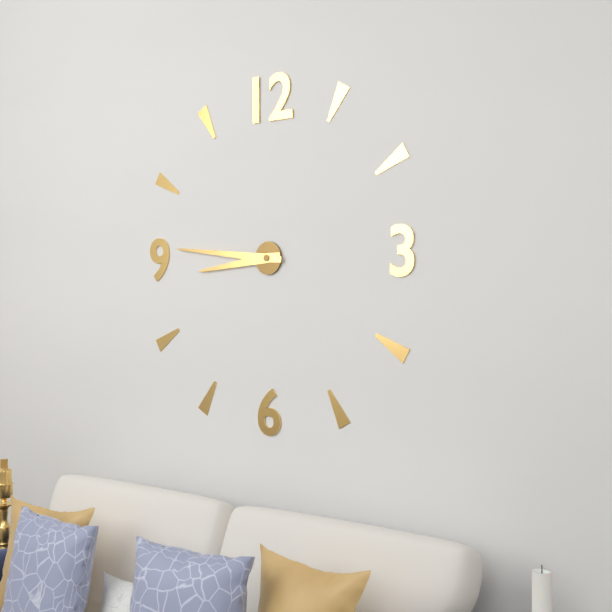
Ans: 8:46
